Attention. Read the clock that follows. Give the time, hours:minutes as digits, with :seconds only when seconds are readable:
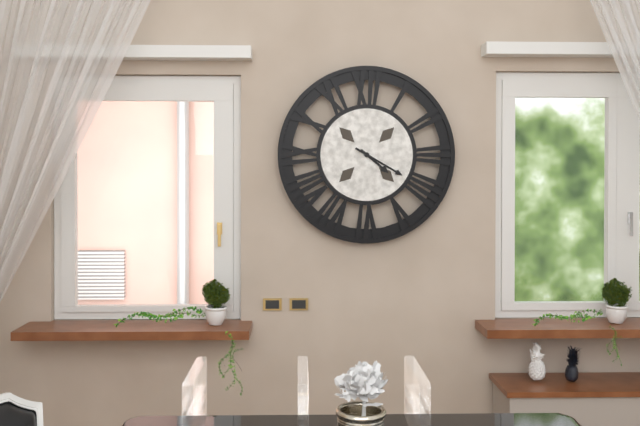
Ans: 4:20
